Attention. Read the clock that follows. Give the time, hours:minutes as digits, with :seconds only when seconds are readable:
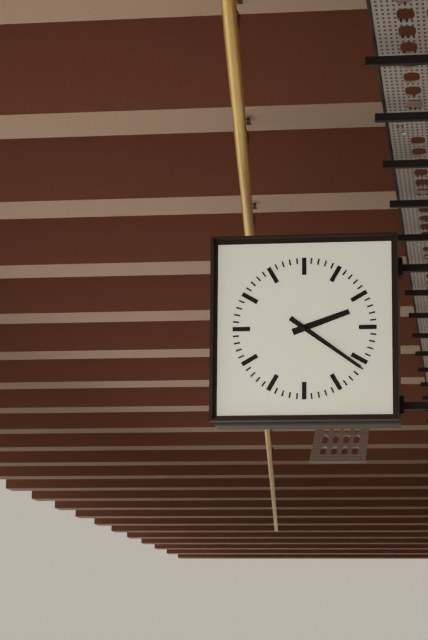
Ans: 2:21
